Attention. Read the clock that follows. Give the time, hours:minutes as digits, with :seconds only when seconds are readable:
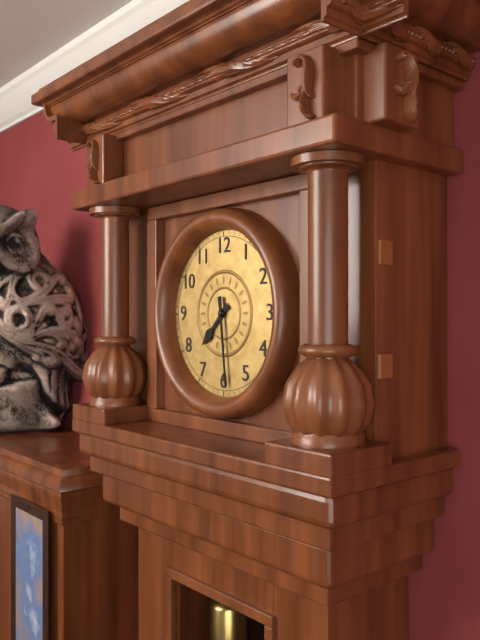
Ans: 7:29
